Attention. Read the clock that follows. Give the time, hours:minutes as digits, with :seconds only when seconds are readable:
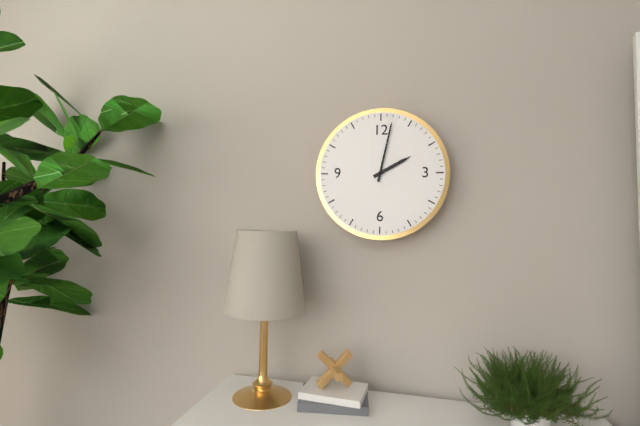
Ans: 2:02
